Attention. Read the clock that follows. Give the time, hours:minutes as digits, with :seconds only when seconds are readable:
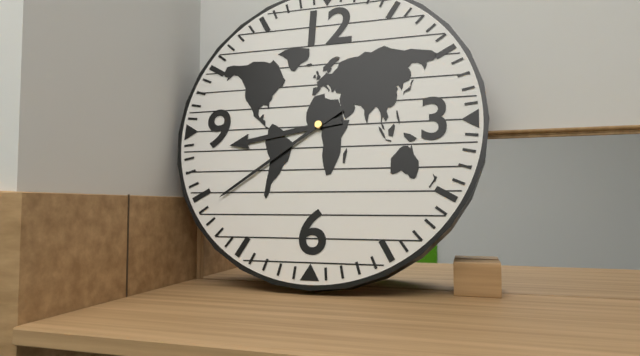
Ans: 8:39
